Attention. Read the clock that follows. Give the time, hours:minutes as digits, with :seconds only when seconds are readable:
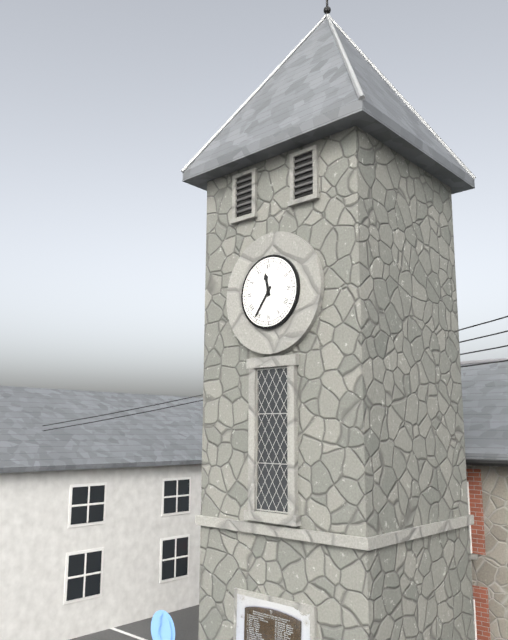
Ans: 11:36
